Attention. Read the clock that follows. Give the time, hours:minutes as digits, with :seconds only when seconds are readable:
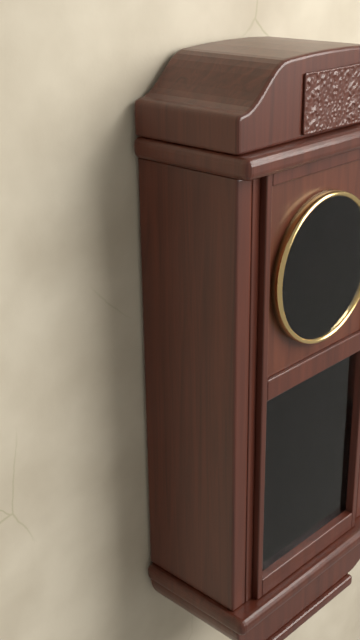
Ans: 11:19
